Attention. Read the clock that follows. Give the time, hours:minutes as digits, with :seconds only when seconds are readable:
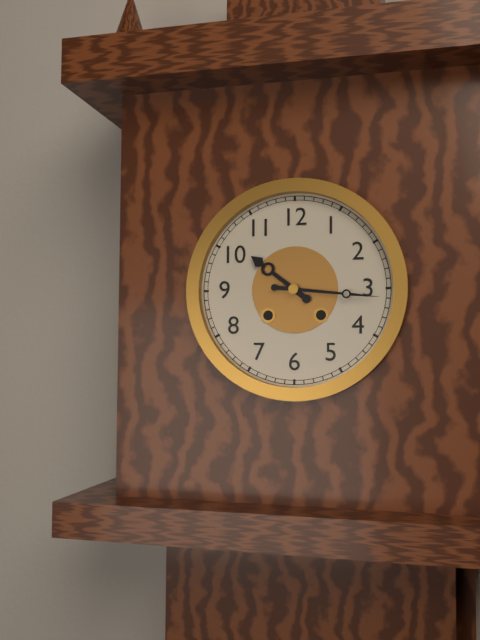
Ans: 10:16
